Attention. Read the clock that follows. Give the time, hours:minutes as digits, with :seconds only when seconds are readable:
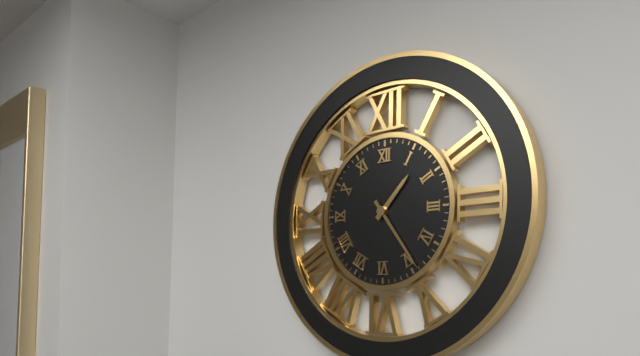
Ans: 1:24
